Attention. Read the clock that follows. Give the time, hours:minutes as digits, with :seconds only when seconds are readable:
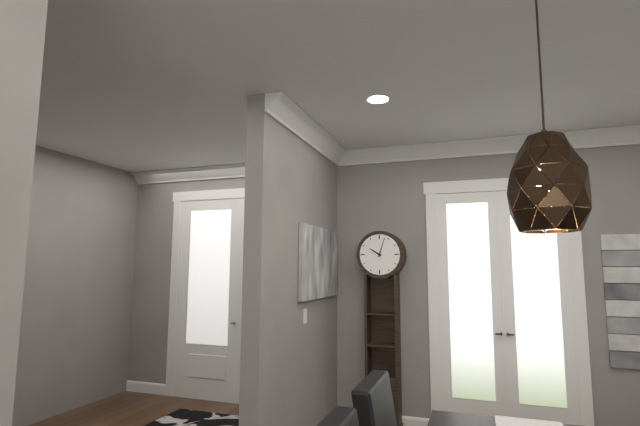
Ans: 10:03
